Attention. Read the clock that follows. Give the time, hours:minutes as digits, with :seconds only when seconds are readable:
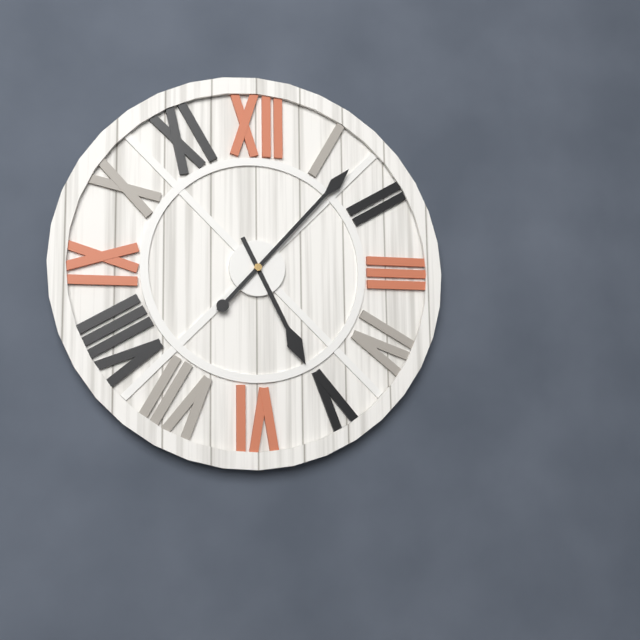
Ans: 5:07
